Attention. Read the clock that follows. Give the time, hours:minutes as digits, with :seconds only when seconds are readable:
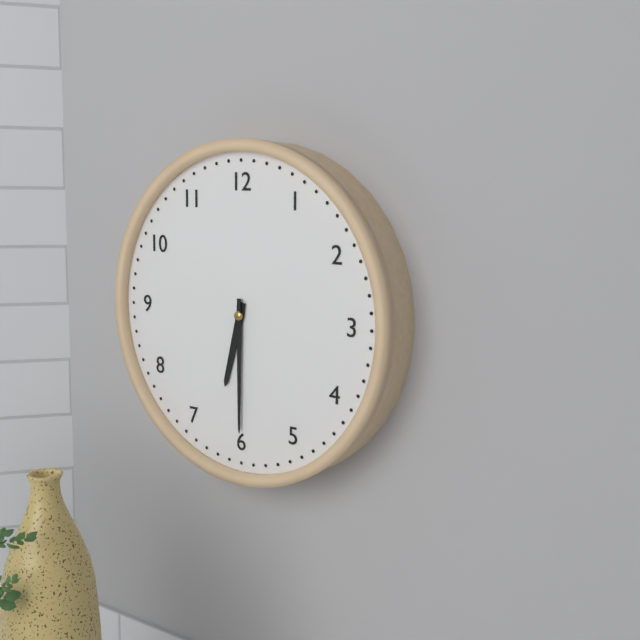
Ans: 6:30
